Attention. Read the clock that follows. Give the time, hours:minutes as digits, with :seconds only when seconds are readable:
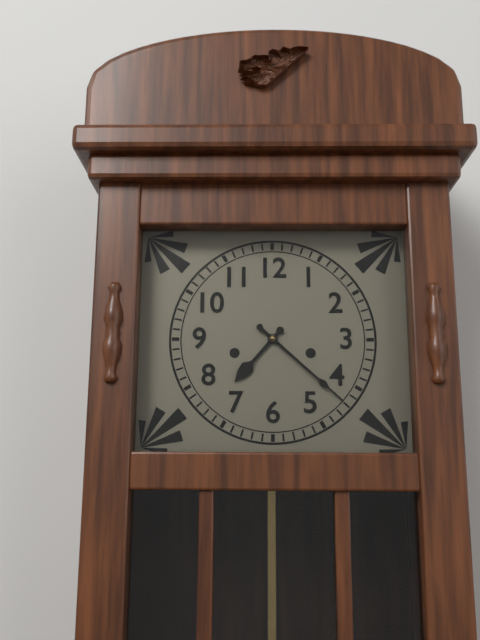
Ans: 7:22
